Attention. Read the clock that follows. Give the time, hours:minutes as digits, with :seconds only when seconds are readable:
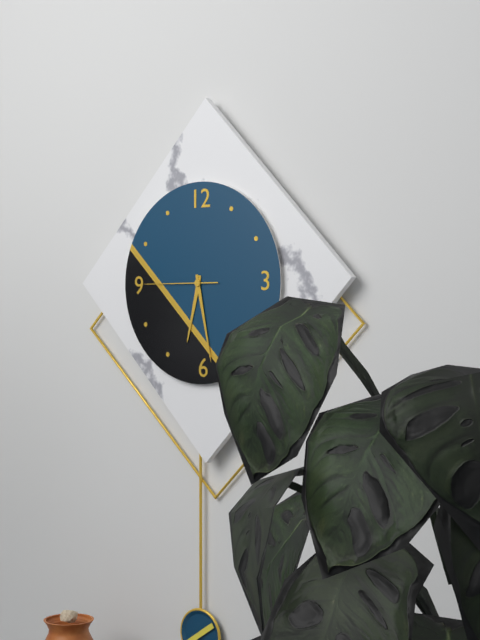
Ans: 6:28:45
